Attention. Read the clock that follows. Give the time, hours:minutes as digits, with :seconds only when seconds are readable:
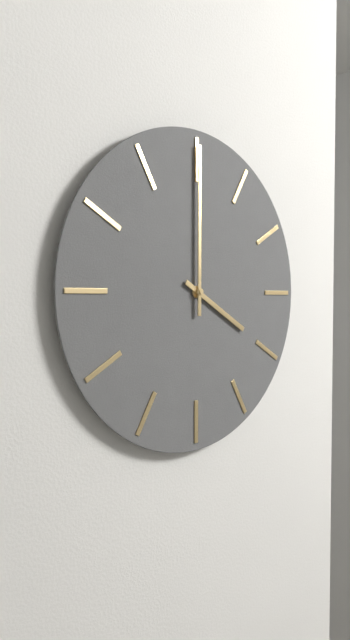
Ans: 4:00
